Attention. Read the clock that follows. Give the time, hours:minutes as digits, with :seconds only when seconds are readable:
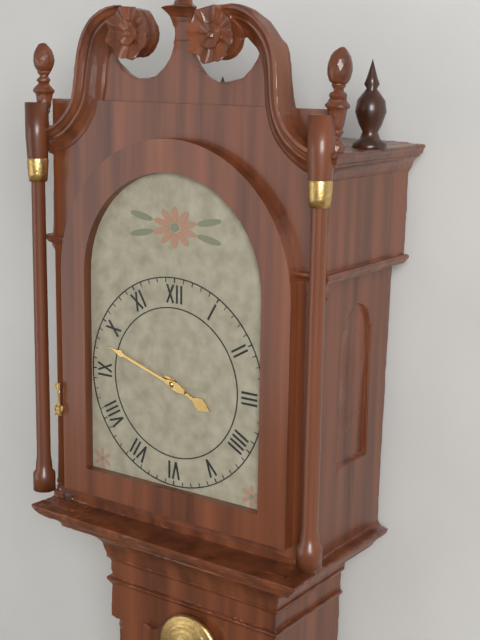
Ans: 3:48
